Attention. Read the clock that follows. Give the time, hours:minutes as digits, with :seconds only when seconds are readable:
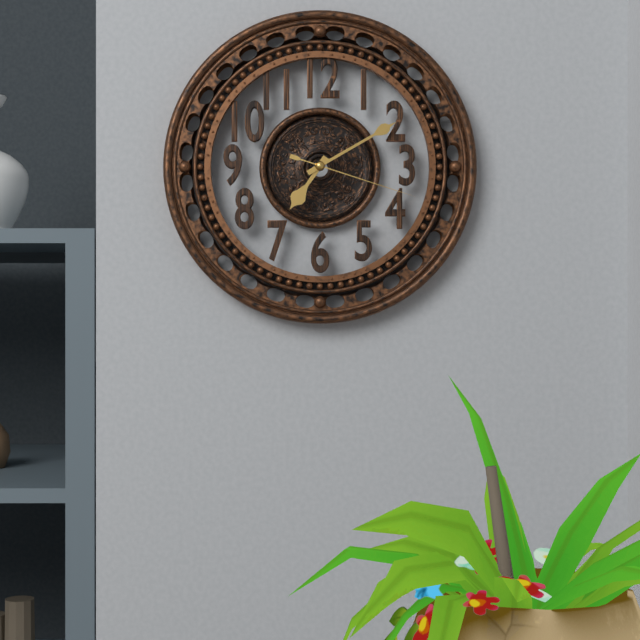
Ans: 7:10:18
